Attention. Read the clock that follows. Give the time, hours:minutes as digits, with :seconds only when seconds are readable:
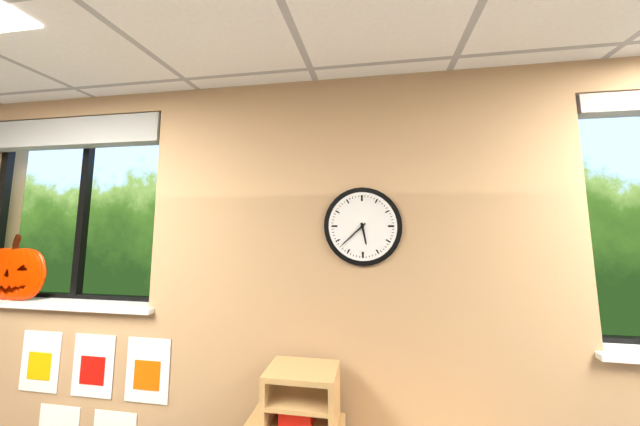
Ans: 5:38
